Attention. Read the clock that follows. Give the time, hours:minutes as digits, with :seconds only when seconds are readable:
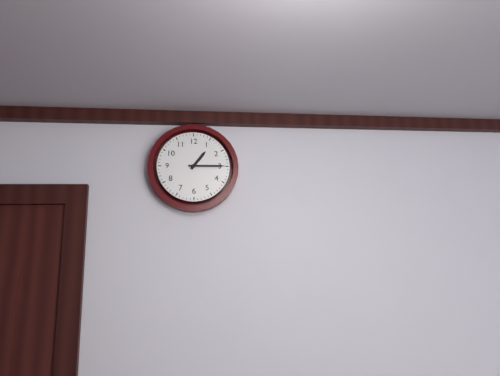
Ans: 1:15
